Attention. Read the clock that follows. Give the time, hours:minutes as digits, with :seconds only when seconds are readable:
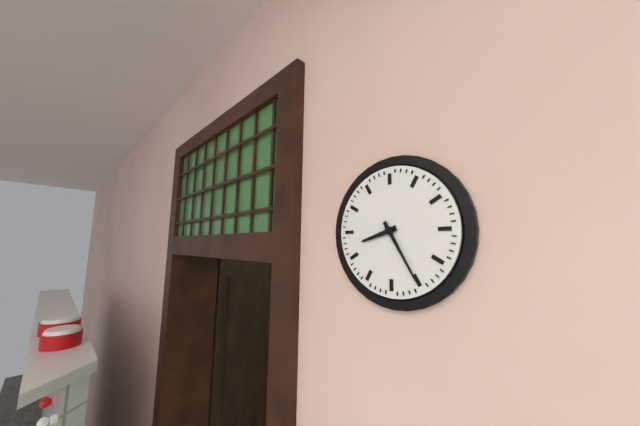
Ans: 8:25
